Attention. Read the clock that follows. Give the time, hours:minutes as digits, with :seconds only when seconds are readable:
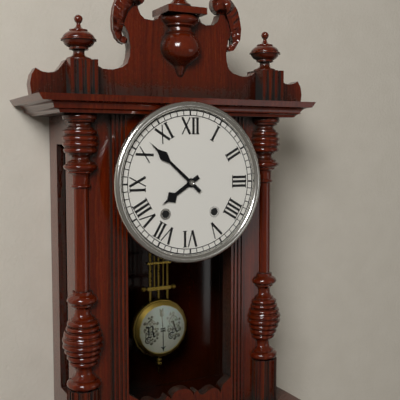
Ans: 7:52
